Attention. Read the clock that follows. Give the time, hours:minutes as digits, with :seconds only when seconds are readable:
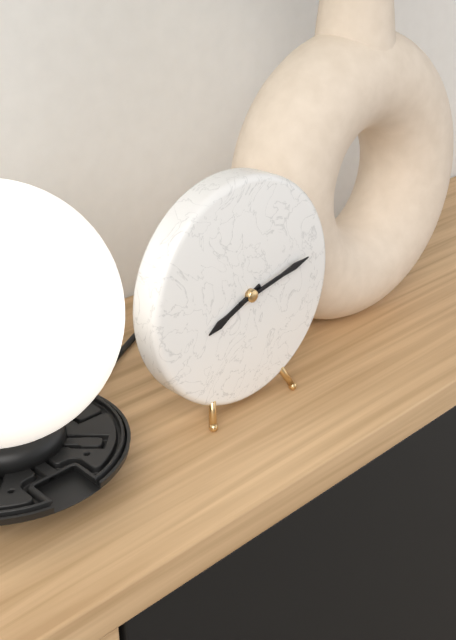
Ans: 8:13
